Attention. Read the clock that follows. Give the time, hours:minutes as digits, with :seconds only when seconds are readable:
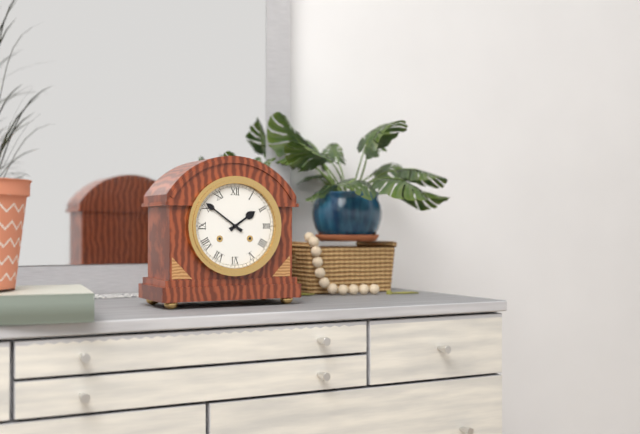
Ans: 1:51
